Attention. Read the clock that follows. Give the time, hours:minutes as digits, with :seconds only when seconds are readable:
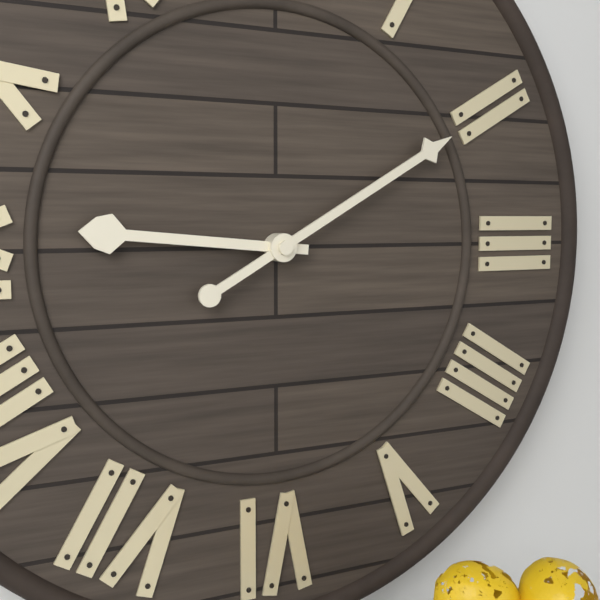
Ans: 9:10
